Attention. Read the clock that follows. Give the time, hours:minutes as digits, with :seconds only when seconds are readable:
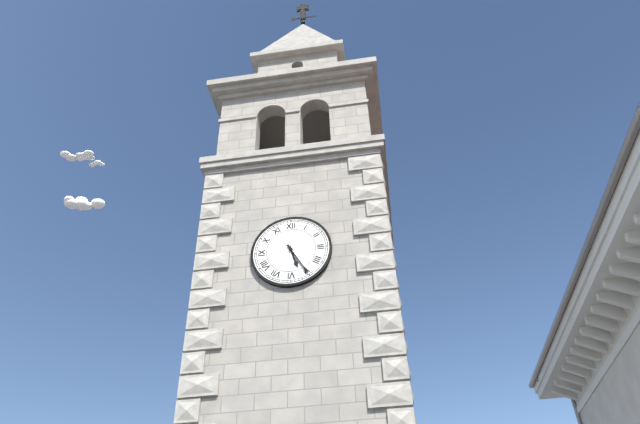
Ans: 5:25
